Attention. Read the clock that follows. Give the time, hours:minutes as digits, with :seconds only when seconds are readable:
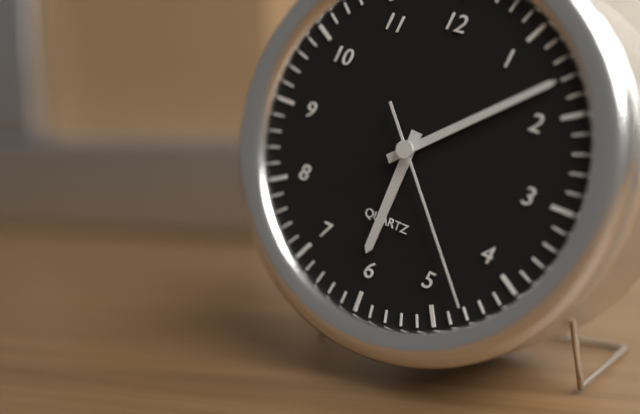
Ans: 6:08:23
